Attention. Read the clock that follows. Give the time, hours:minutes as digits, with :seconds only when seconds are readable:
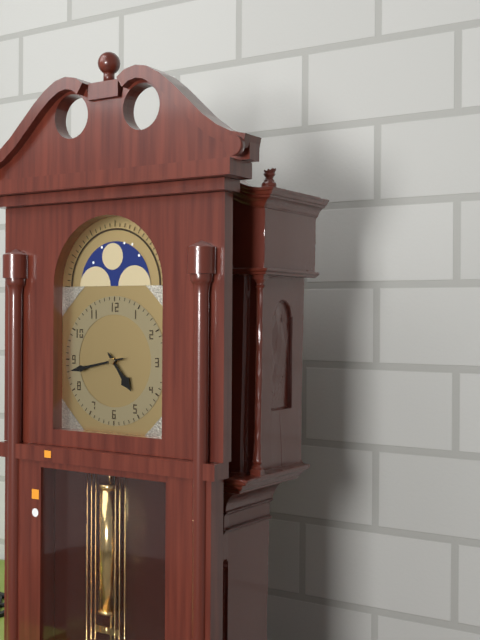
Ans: 4:43
